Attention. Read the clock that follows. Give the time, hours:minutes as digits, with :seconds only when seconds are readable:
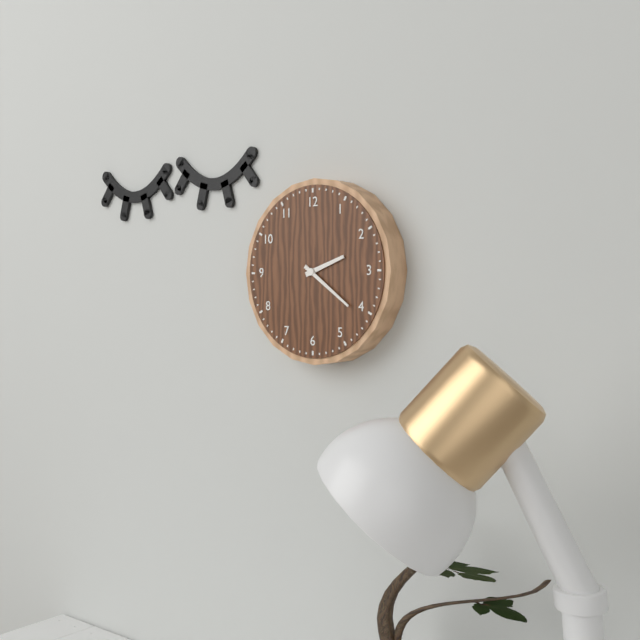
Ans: 2:21
